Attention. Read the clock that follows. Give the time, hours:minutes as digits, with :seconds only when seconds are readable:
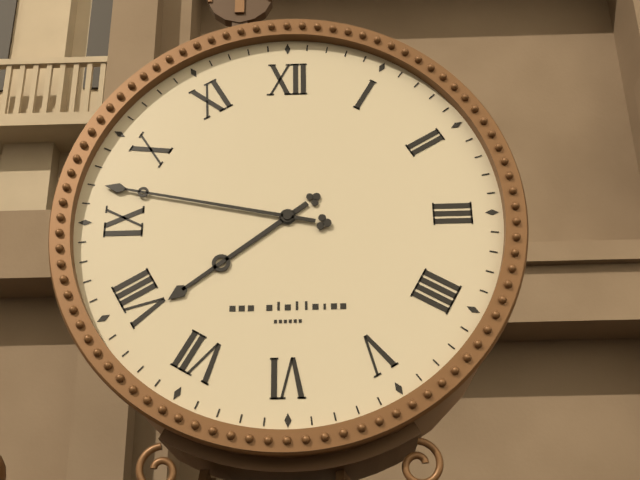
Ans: 7:47
